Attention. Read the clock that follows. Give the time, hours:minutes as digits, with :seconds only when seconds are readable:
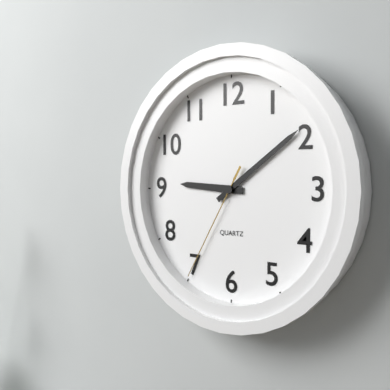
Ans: 9:09:35
